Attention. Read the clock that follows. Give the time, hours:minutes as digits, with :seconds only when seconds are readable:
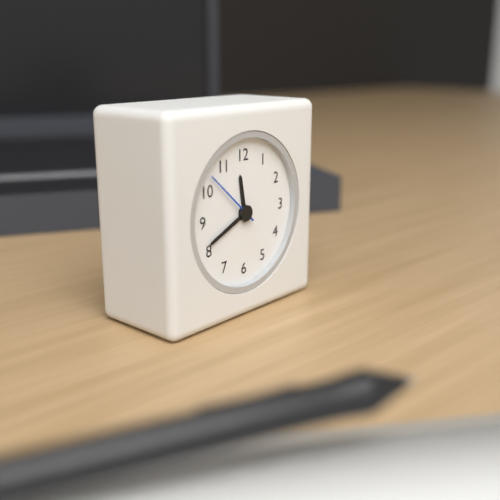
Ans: 11:41:52
